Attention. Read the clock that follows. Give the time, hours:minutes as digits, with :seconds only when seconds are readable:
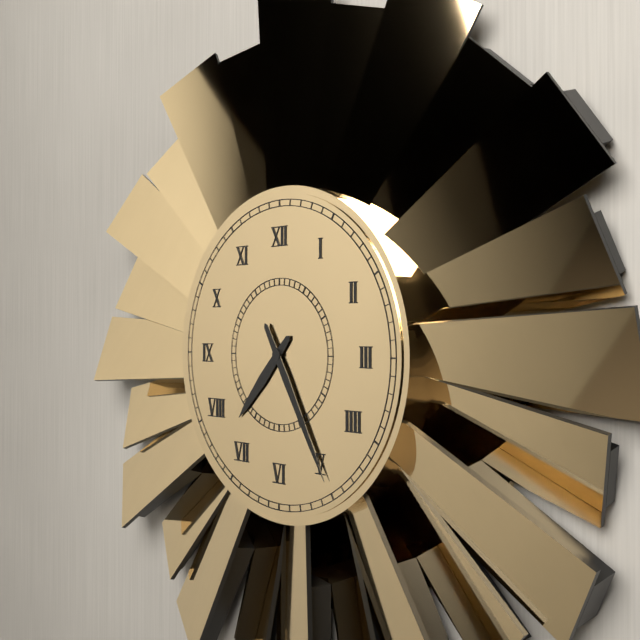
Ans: 7:25
